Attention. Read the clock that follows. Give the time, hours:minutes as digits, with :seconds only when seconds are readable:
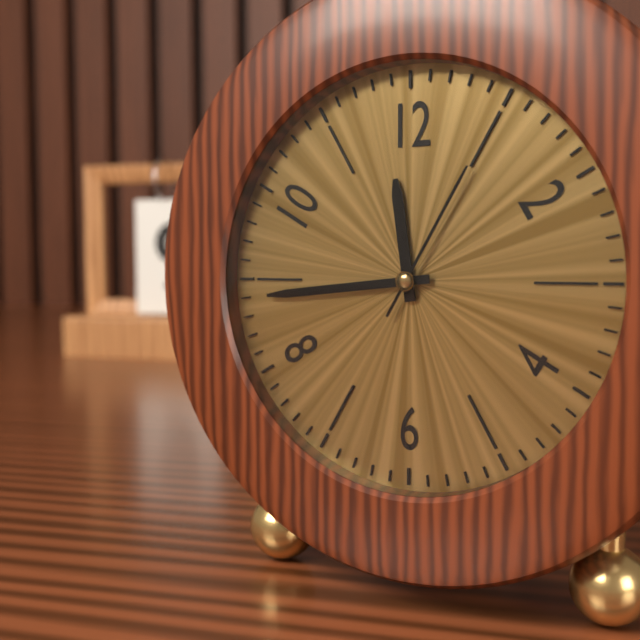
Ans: 11:44:05
